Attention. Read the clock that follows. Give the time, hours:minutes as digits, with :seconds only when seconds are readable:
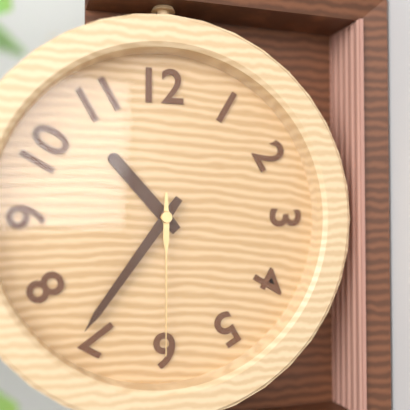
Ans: 10:36:30
